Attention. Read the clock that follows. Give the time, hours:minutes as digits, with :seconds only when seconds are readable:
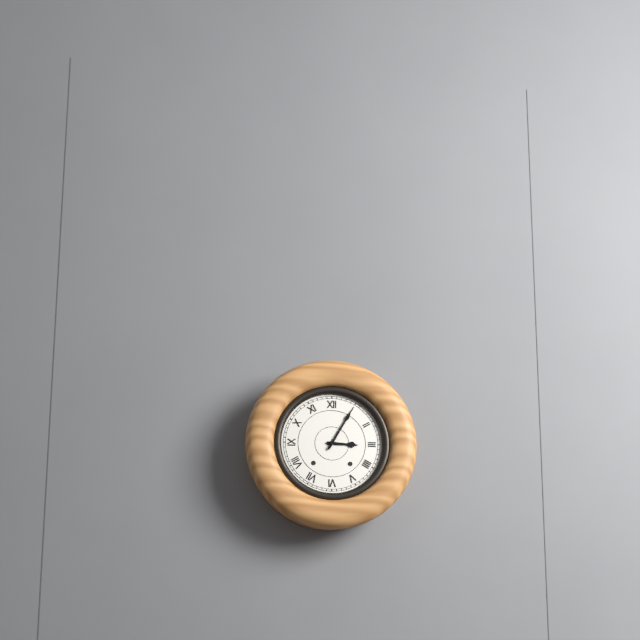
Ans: 3:05
